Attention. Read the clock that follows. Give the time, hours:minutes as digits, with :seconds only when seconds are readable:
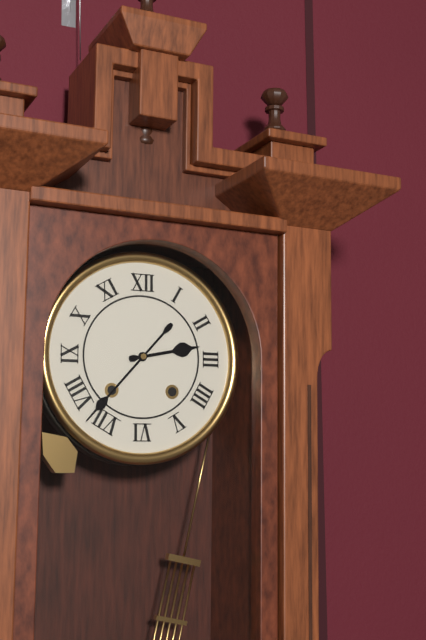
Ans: 2:37
